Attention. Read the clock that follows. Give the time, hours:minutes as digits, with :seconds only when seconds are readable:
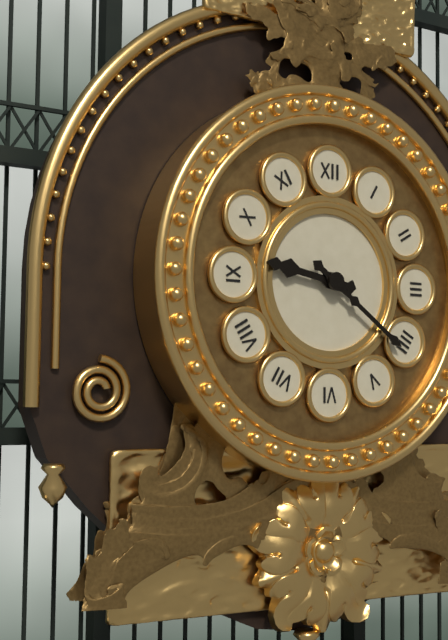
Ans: 9:21
